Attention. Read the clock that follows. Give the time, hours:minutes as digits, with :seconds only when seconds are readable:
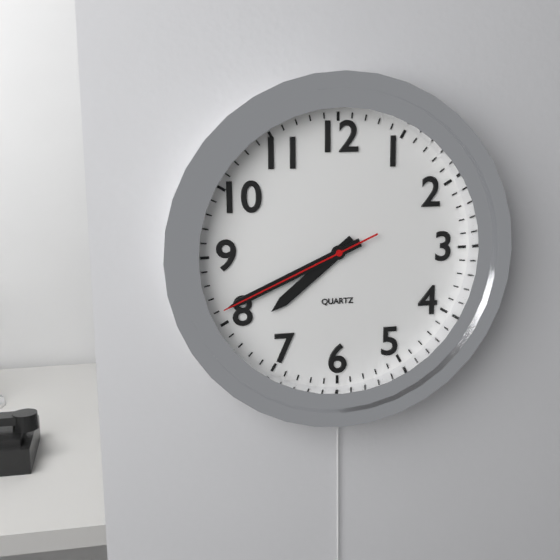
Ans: 7:41:41
